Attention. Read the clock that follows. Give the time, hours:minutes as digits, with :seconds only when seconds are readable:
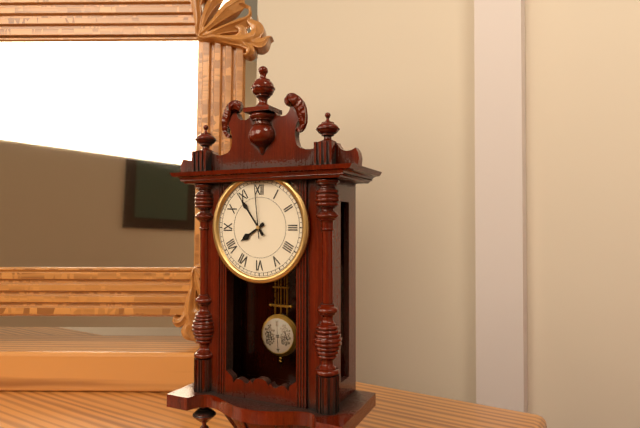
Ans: 7:54:59
